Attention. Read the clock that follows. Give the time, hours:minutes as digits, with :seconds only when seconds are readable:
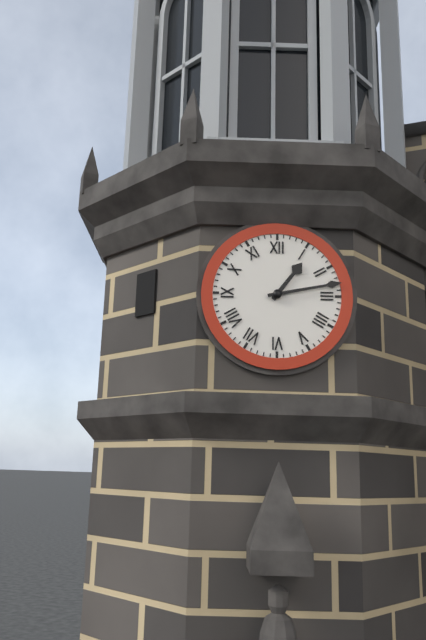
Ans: 1:13
